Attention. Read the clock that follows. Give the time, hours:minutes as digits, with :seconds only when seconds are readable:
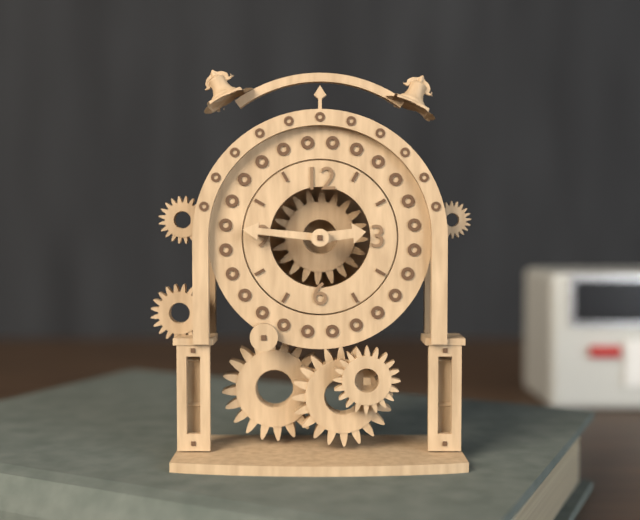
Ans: 2:46
